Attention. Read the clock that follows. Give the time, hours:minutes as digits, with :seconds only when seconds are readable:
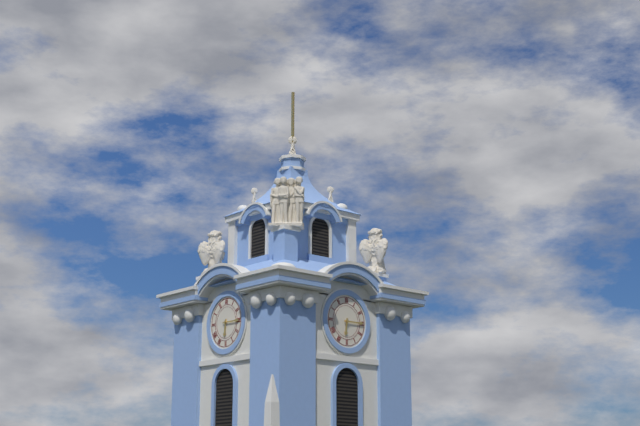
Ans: 6:15
